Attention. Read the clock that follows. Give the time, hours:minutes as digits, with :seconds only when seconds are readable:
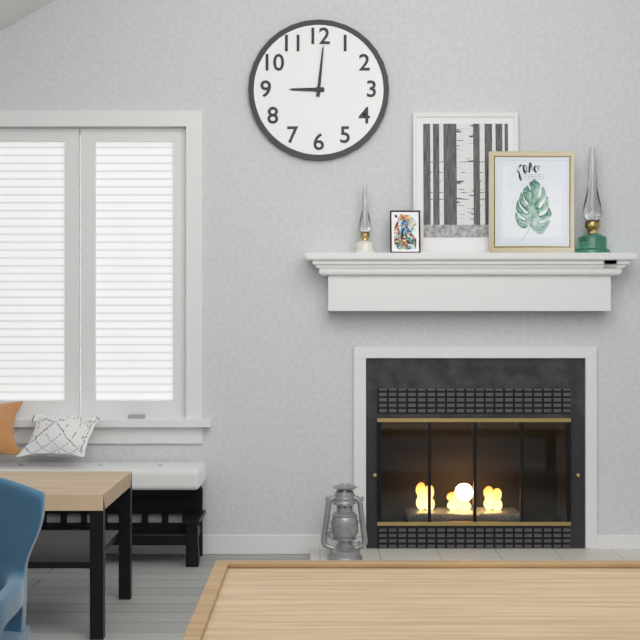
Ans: 9:01
